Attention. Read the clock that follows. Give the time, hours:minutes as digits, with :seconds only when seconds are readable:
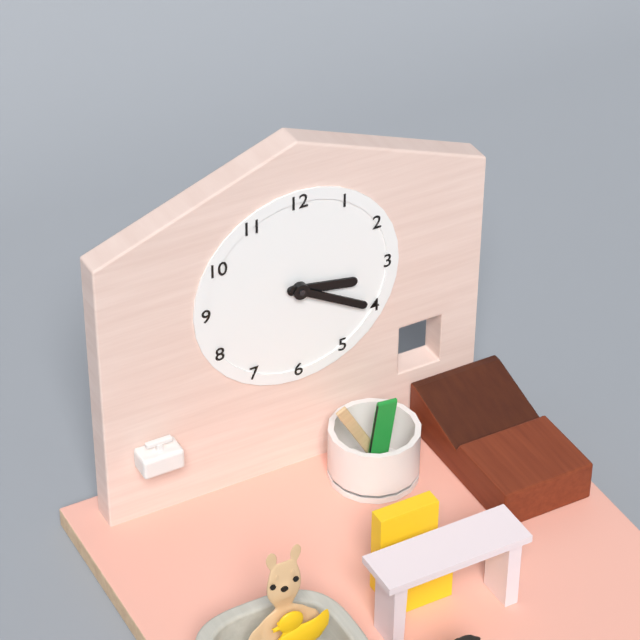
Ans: 3:20
